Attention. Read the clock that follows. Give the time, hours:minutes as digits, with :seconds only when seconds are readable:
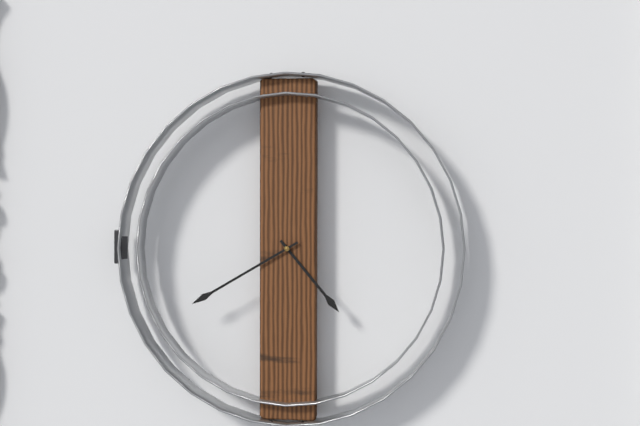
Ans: 4:40
